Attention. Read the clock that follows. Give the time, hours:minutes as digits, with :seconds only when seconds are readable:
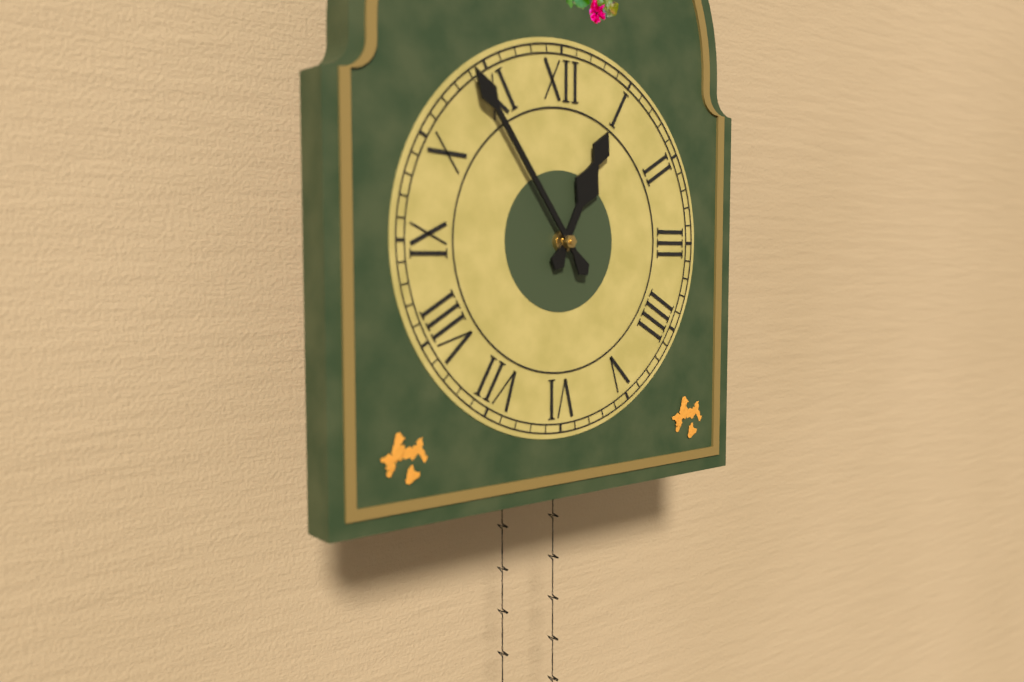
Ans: 12:54
